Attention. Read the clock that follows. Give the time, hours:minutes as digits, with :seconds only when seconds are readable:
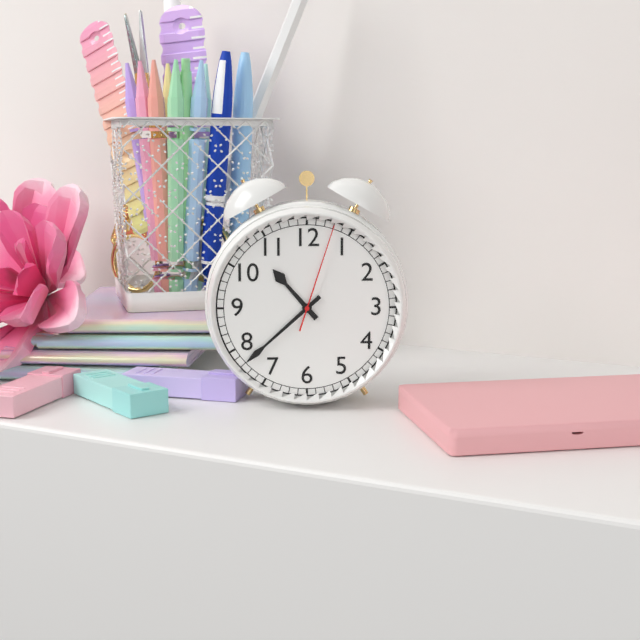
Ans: 10:38:03
